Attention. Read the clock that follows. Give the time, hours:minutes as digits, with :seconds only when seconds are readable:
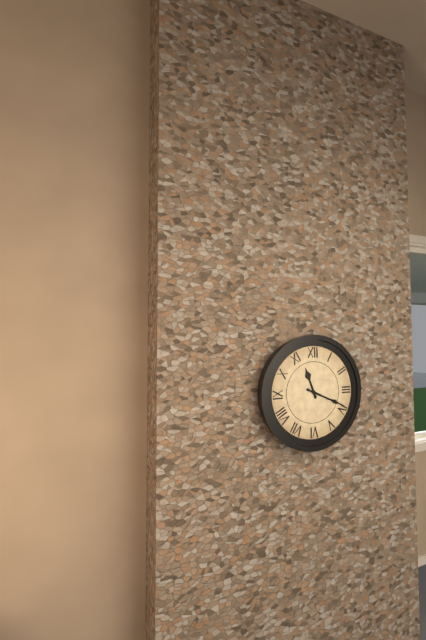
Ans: 11:19
